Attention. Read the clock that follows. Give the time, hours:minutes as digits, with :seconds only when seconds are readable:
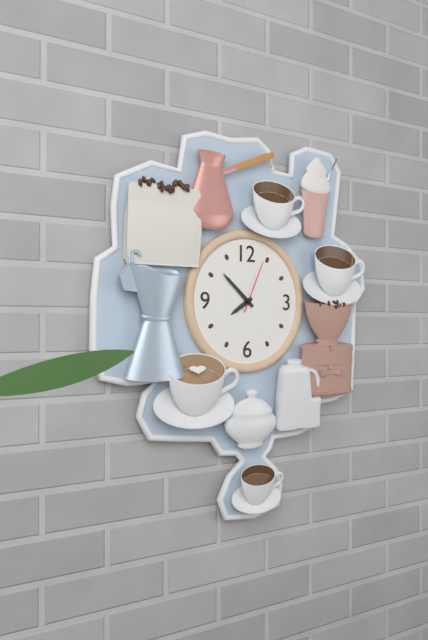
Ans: 7:52:04
